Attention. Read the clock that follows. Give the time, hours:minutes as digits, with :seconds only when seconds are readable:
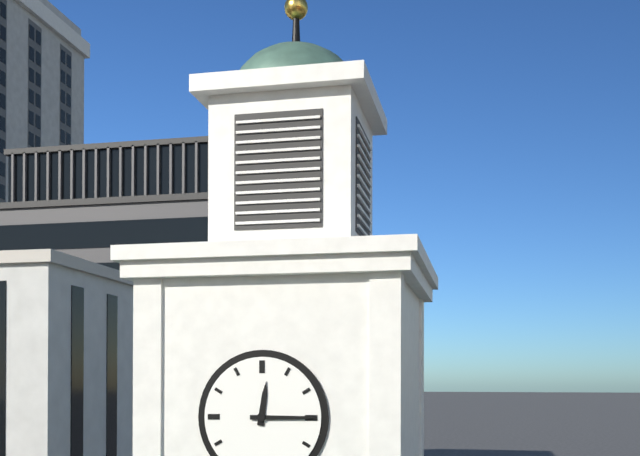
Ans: 12:15
